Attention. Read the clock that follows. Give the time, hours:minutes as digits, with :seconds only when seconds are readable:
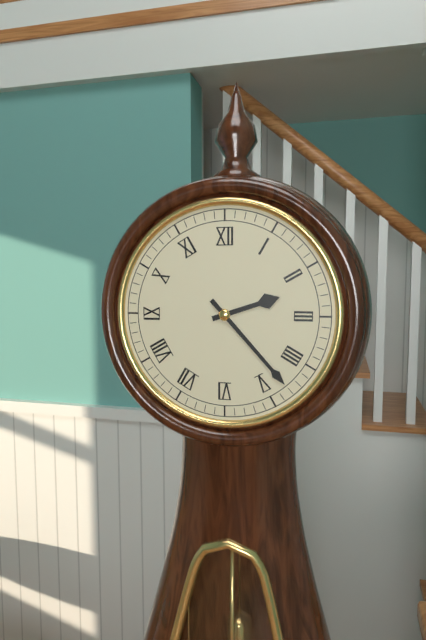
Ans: 2:23
